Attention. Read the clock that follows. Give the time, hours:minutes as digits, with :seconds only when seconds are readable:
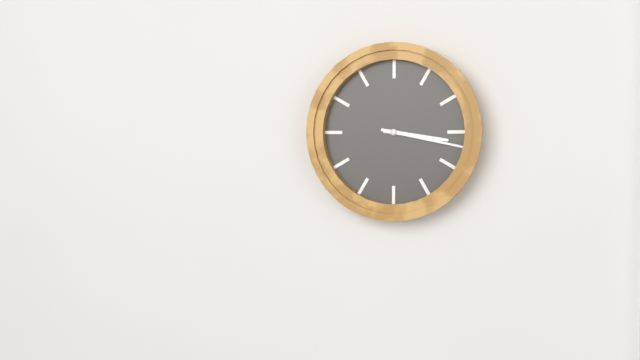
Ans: 3:17
